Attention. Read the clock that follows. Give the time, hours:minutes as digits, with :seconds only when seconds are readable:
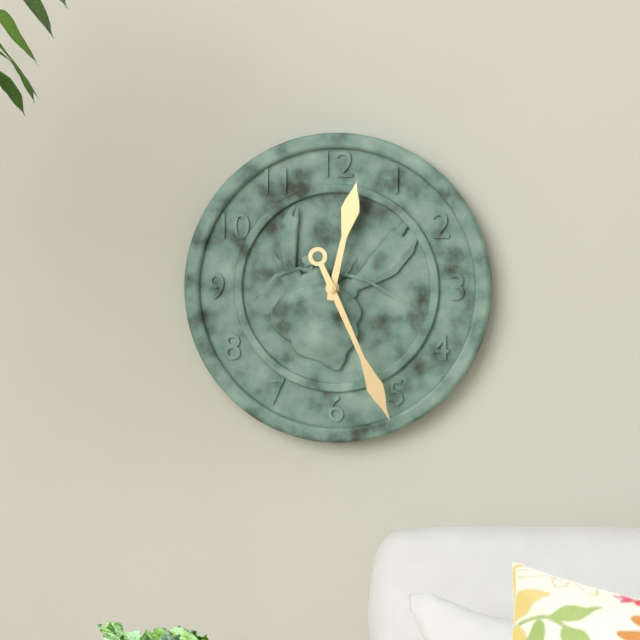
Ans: 12:26
